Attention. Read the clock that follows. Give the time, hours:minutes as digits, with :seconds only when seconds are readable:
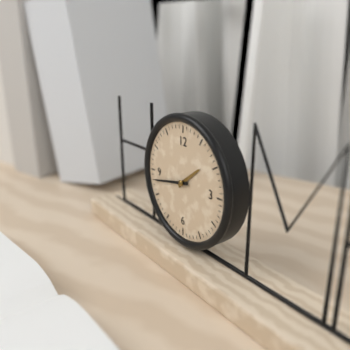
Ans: 1:43
